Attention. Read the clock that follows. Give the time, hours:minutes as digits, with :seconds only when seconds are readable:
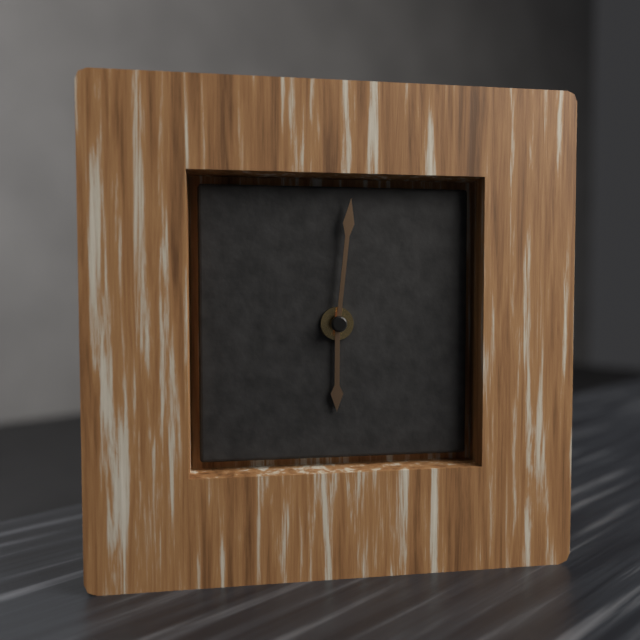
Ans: 6:01
